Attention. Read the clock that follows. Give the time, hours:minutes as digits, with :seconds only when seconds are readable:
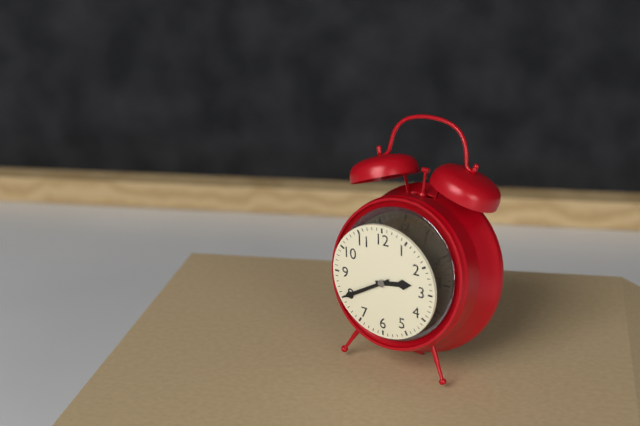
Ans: 2:40
